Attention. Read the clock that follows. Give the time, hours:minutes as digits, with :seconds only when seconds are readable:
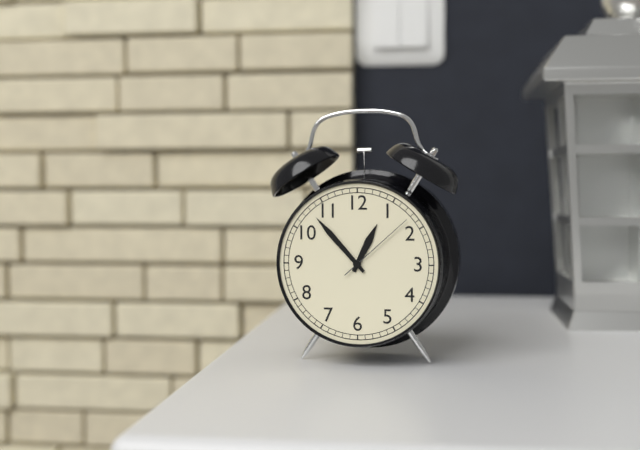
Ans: 12:53:08
